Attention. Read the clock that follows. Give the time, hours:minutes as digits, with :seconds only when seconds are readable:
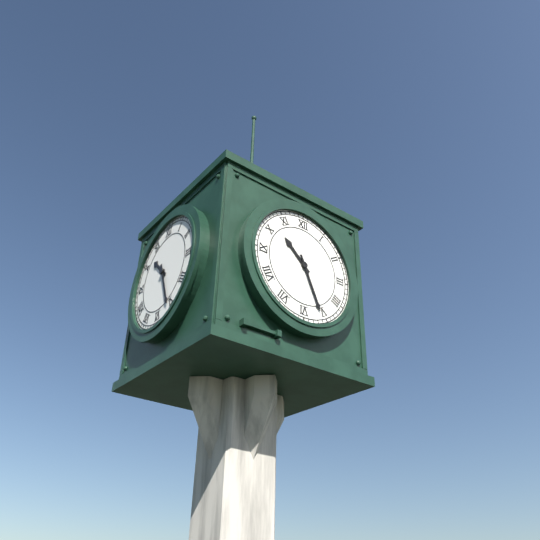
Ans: 10:26
